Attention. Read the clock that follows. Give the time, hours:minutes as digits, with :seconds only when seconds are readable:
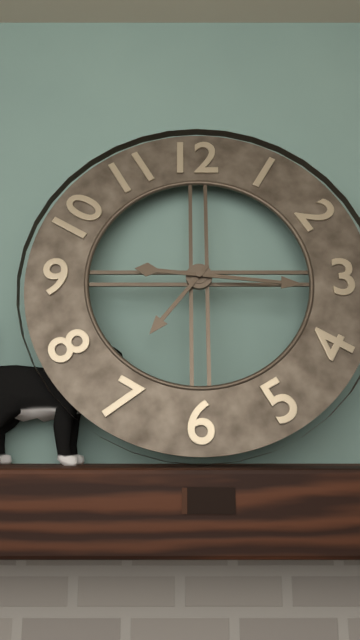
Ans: 7:16
